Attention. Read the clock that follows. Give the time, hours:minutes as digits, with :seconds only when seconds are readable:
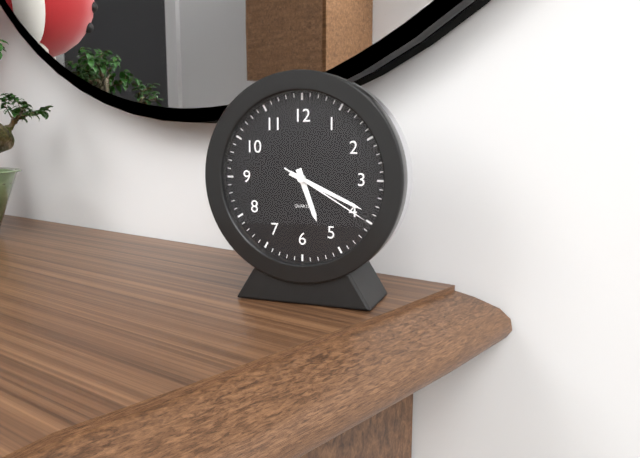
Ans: 5:19:20
